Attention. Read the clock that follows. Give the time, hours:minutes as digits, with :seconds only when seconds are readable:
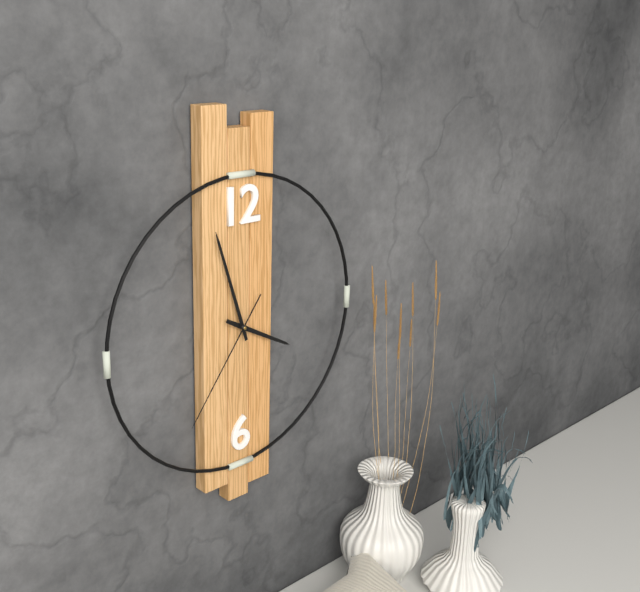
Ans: 3:57:36
